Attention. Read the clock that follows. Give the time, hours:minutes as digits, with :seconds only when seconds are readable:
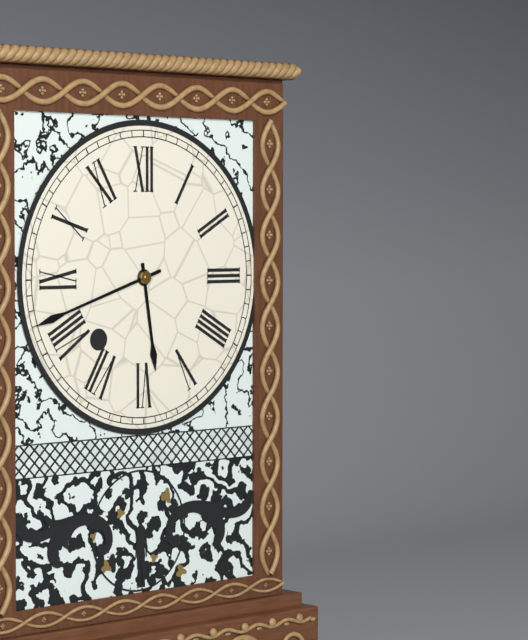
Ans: 5:42
